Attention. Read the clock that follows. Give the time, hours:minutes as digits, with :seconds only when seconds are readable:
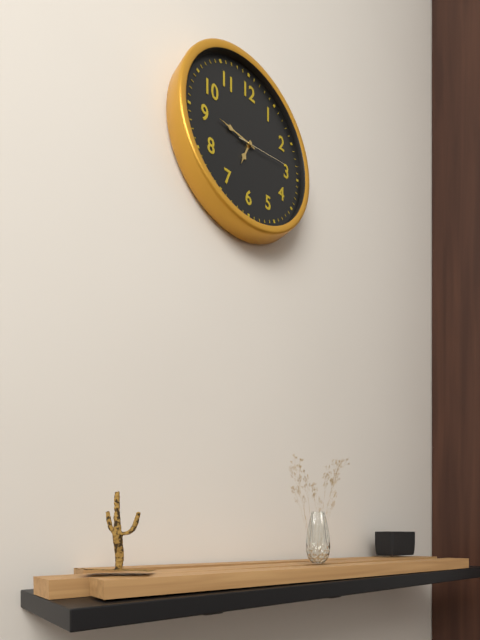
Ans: 6:46:14
